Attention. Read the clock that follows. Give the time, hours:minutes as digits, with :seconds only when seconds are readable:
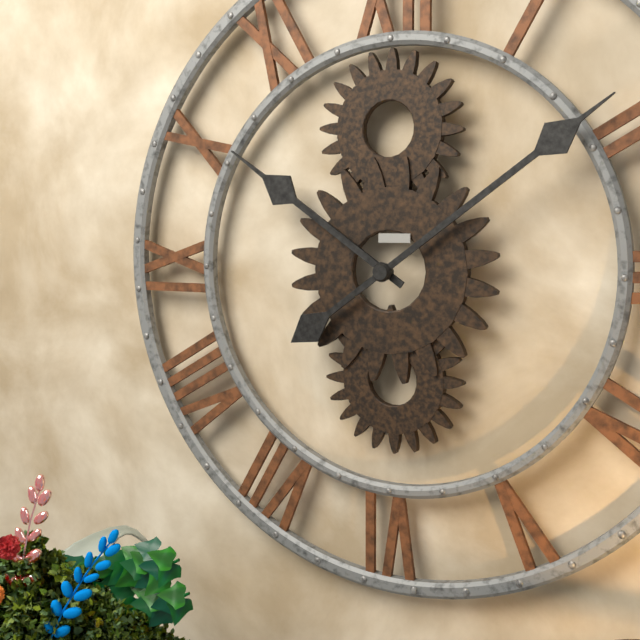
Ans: 10:09
